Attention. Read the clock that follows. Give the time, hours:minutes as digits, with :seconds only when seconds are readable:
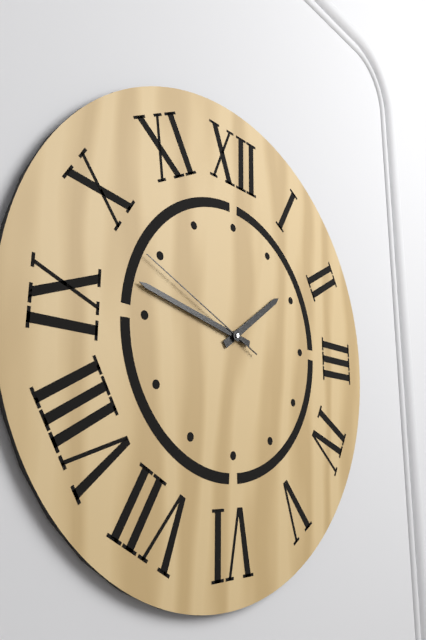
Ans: 1:47:49
